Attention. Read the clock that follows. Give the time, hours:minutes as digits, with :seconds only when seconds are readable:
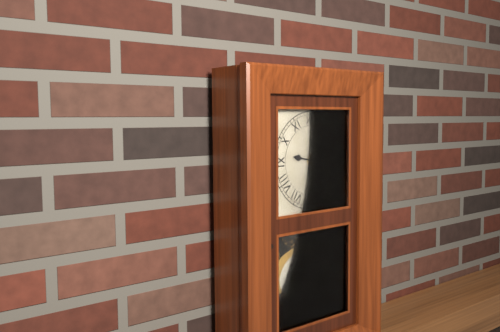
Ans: 9:21
